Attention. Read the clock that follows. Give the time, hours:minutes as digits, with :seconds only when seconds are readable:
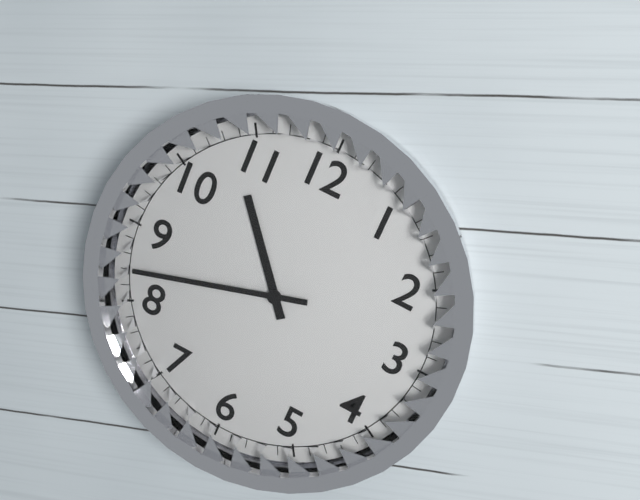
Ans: 10:42
